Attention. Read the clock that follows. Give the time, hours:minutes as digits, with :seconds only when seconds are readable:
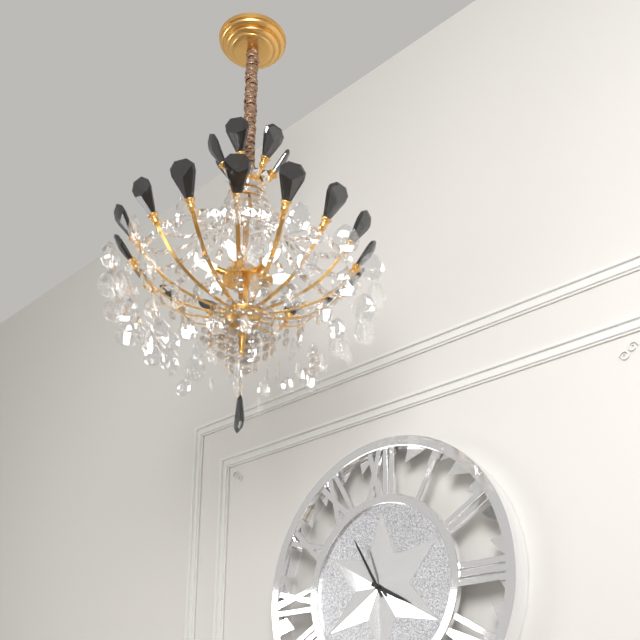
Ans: 3:55
